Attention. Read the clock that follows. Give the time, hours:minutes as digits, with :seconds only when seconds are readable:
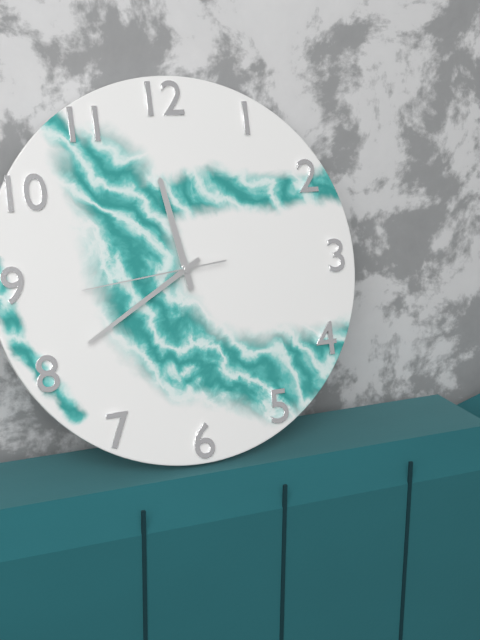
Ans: 11:40:44
